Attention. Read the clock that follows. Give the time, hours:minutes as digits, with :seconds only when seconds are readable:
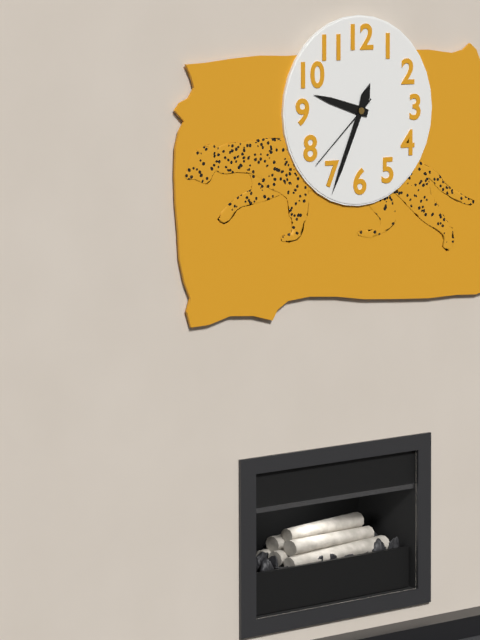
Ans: 9:34:38
